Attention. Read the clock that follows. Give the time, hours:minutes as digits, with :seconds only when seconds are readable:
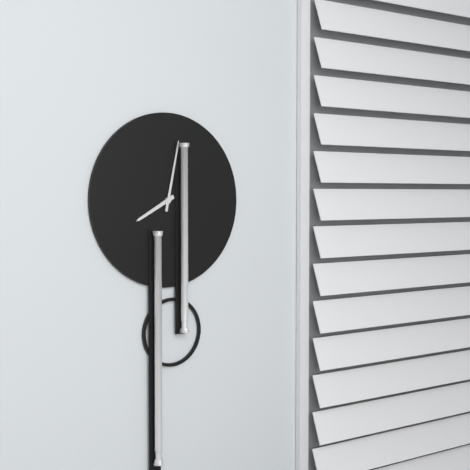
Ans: 8:02
